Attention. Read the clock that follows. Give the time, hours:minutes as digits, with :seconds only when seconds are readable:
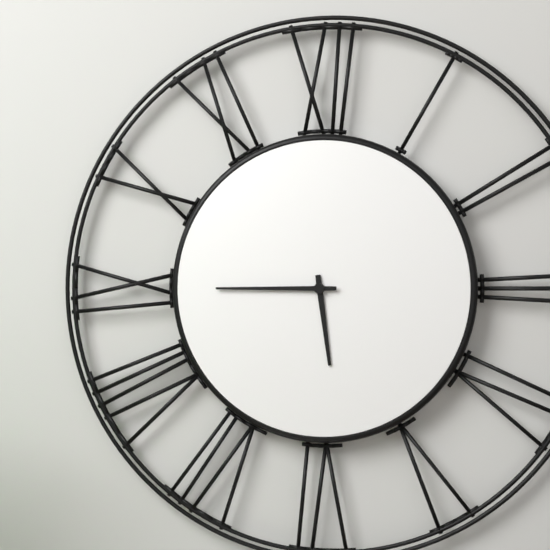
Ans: 5:45
